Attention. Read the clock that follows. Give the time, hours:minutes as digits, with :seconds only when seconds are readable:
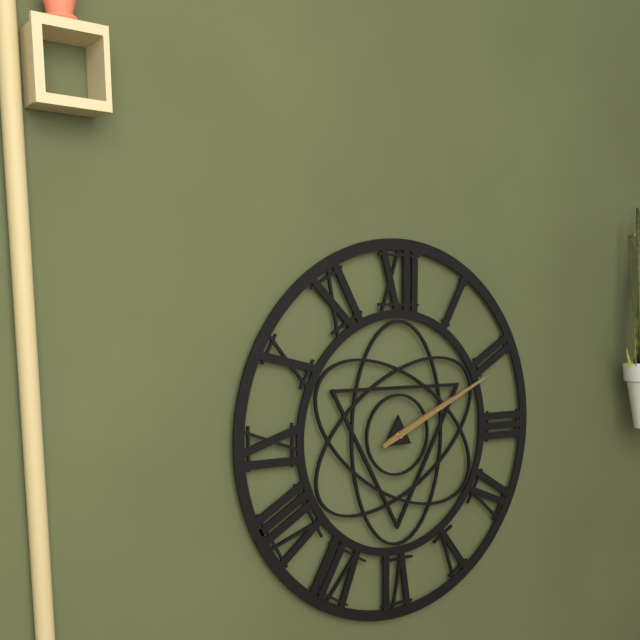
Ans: 2:11
